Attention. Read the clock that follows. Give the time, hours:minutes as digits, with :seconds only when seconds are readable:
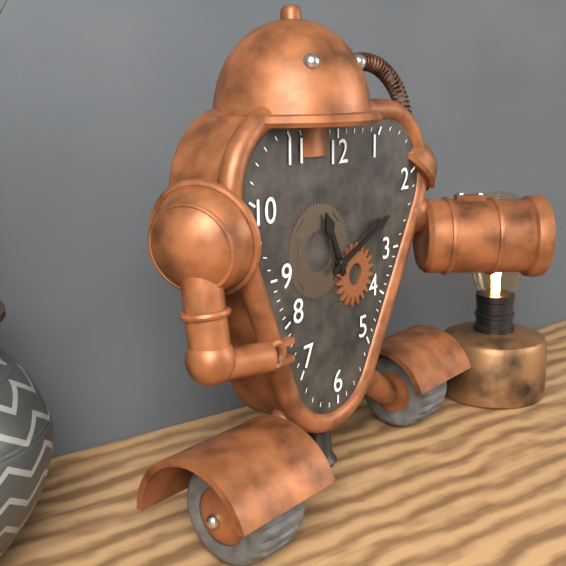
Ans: 11:11
